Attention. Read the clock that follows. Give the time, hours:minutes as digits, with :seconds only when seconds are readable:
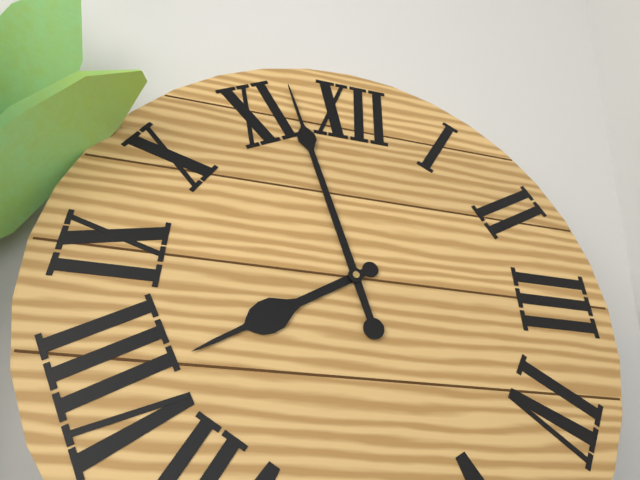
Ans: 7:57
